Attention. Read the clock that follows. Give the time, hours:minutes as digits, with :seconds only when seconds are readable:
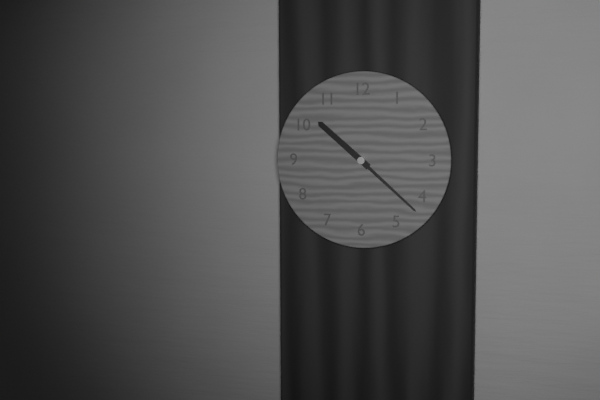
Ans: 10:22
